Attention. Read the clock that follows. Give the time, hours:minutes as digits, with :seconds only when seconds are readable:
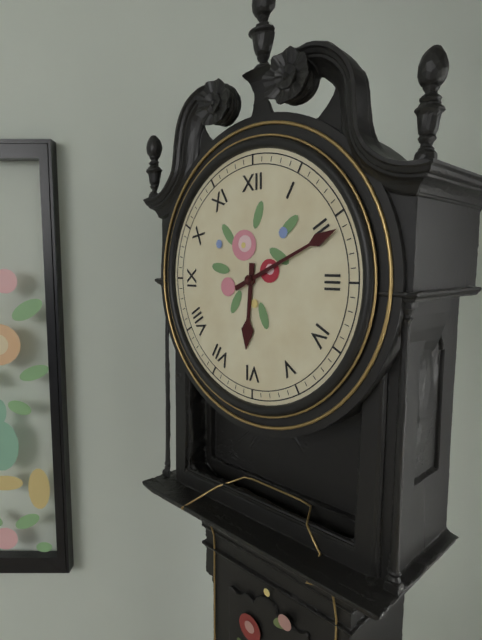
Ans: 6:11
